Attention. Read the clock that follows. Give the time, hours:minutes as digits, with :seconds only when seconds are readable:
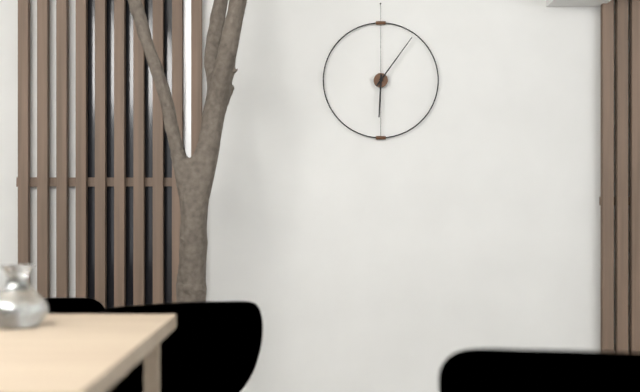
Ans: 6:06
